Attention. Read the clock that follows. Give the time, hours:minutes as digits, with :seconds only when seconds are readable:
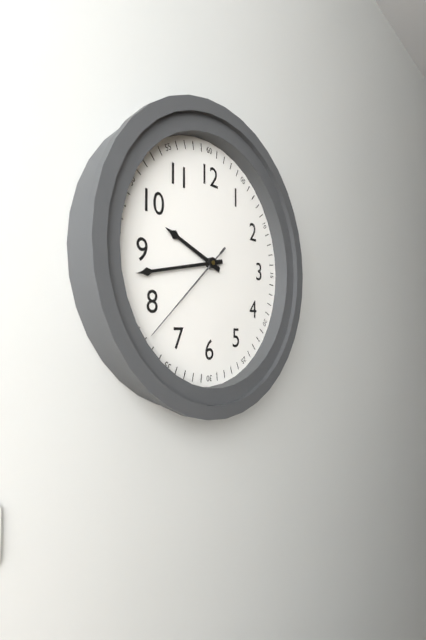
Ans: 9:43:38
